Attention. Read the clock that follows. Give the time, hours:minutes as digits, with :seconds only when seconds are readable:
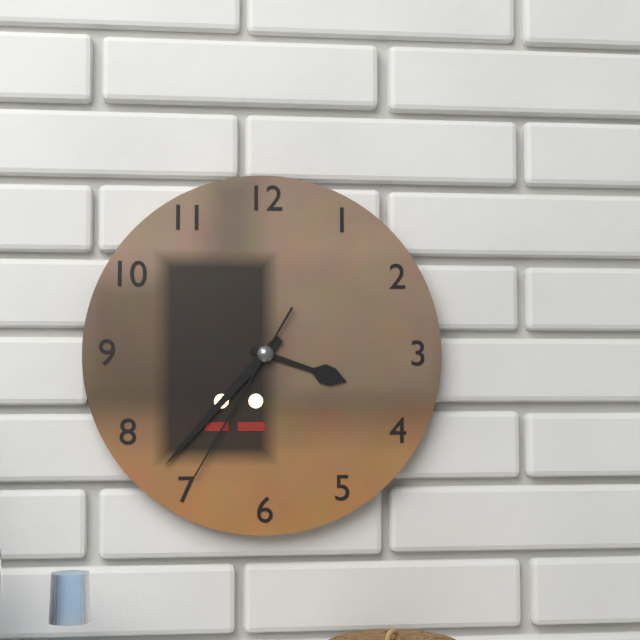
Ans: 3:37:35
